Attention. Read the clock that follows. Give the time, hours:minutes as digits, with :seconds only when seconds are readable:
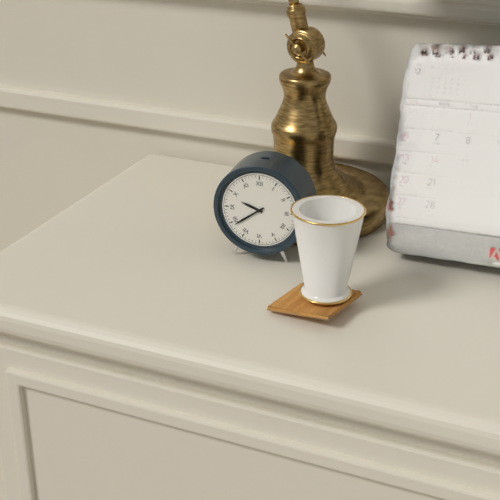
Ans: 9:39
